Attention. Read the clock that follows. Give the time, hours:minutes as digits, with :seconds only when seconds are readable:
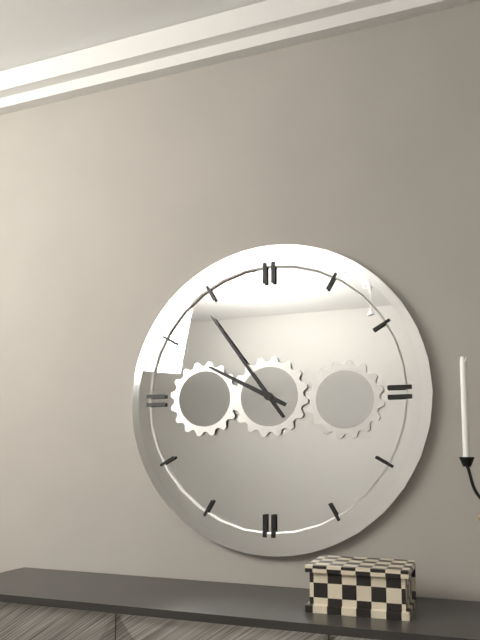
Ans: 9:54
